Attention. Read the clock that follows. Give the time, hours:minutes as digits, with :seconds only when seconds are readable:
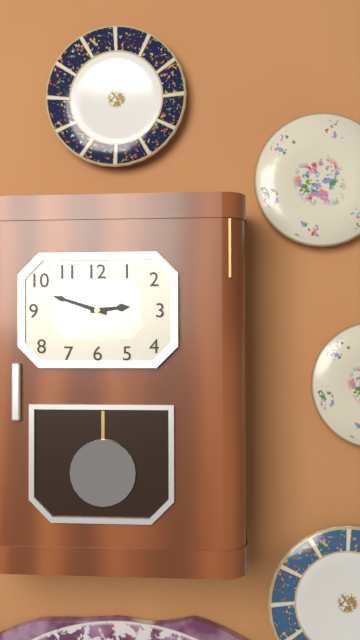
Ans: 2:48
